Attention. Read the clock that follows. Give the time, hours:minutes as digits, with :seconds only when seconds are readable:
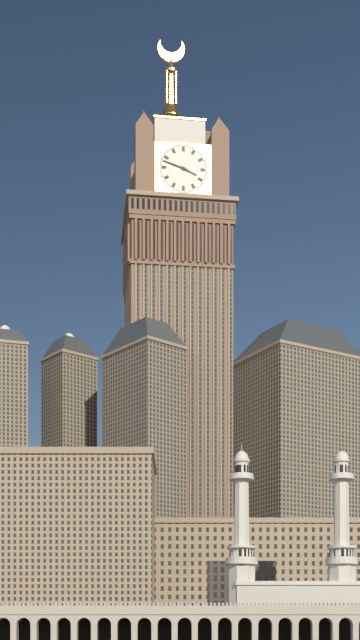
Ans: 3:48
